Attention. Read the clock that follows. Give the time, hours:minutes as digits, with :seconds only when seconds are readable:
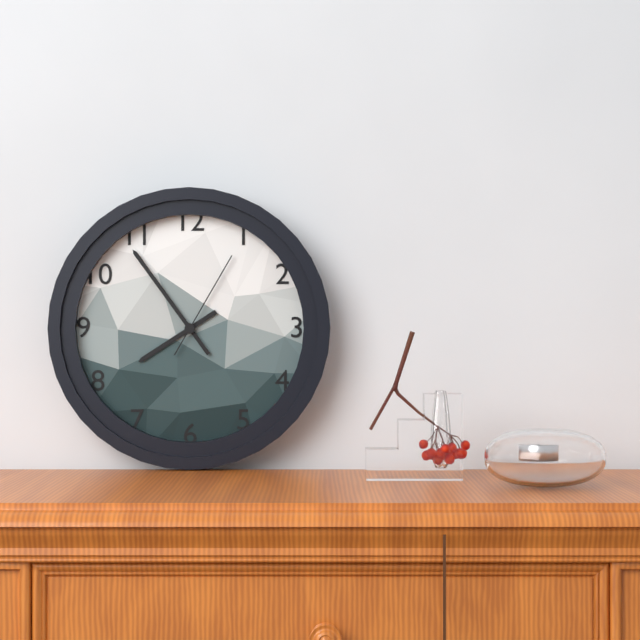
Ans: 7:54:05
